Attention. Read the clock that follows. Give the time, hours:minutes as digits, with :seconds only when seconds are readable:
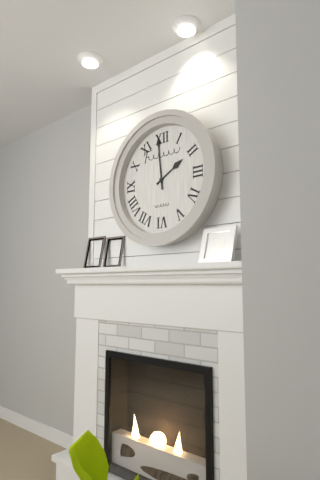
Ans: 1:59
